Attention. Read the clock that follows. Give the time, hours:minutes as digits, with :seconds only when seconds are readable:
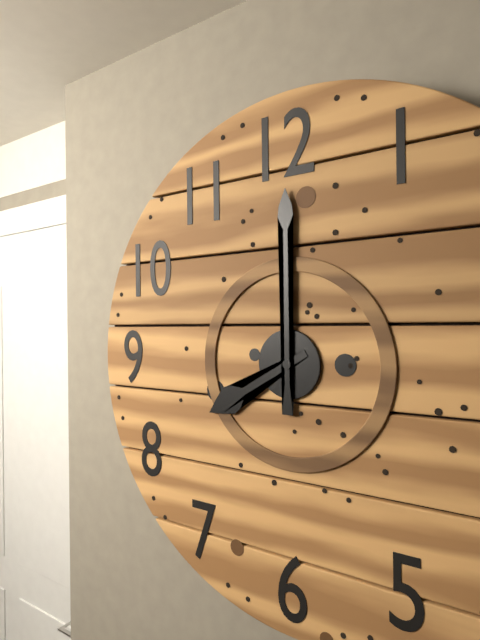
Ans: 8:00
